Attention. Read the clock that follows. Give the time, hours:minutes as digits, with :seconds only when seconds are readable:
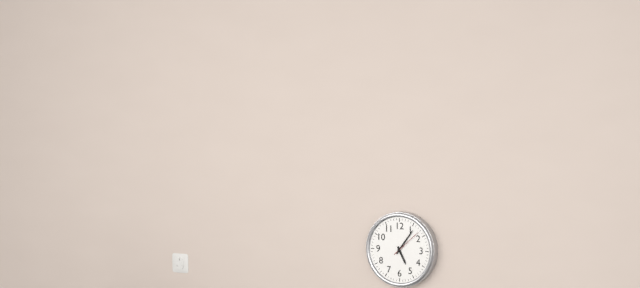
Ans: 5:06
